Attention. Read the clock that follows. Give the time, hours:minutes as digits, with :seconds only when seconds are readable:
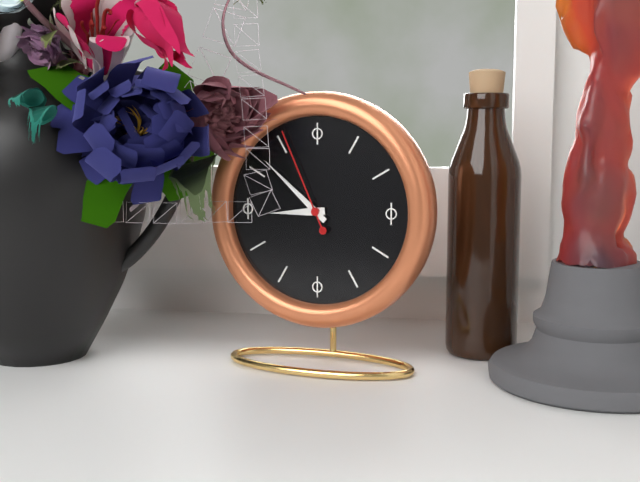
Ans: 8:52:56
